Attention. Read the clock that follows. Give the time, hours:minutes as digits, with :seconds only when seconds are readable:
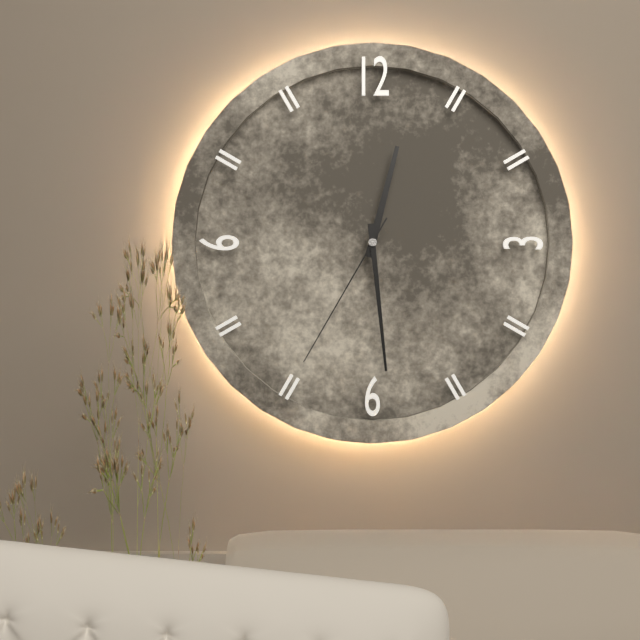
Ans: 12:29:35
